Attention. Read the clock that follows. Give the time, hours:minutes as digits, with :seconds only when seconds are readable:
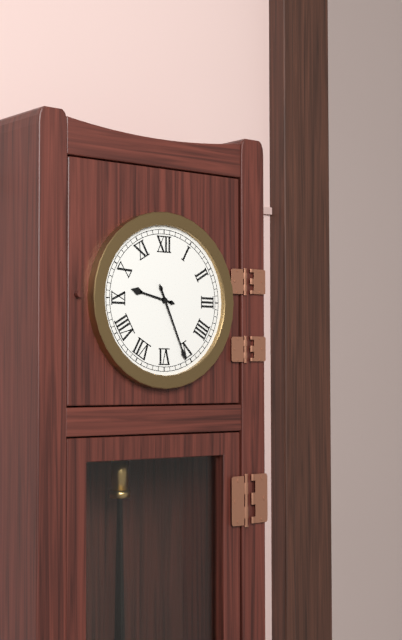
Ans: 9:26
